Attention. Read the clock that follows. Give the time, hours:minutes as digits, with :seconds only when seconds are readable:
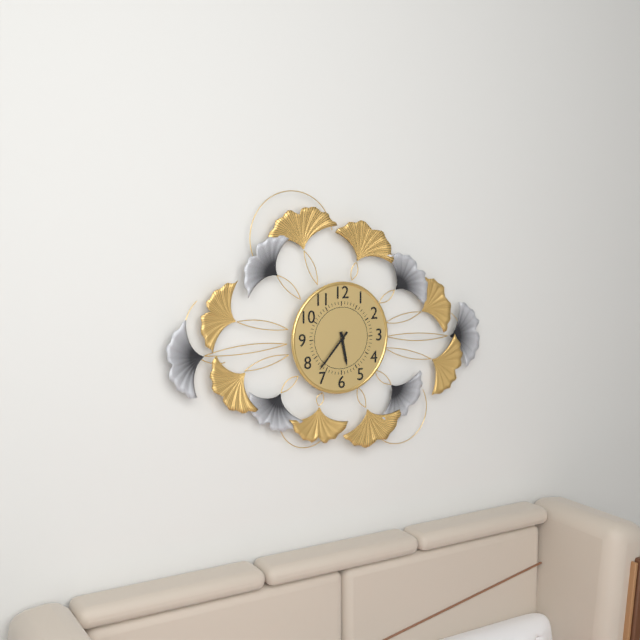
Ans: 5:37
